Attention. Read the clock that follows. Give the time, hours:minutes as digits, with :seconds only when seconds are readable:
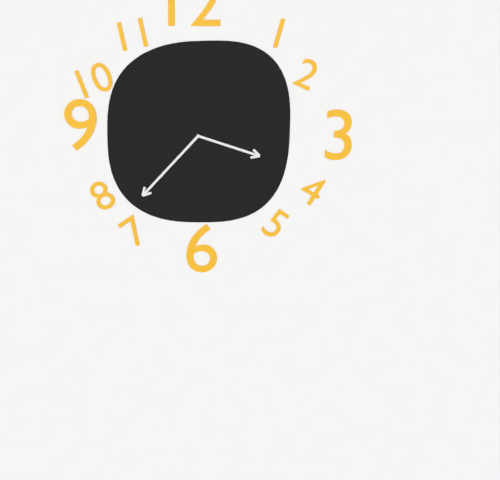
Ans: 3:37
